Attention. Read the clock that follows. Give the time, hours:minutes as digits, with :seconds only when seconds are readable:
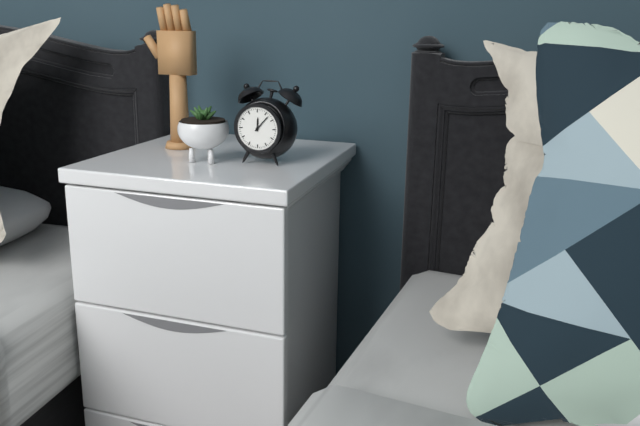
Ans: 12:07
